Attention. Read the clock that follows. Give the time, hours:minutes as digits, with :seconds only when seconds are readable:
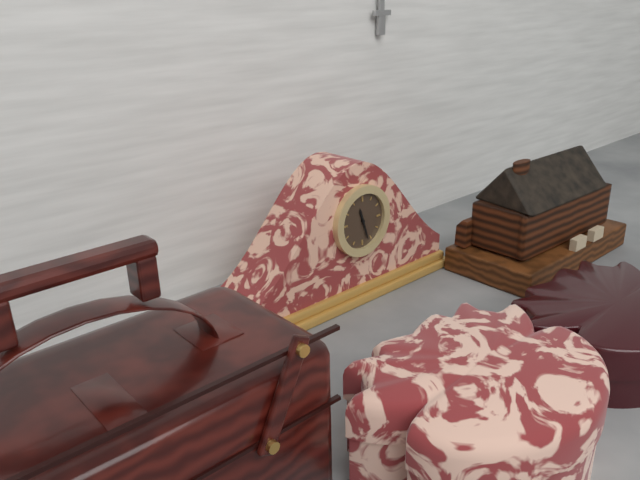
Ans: 11:27
